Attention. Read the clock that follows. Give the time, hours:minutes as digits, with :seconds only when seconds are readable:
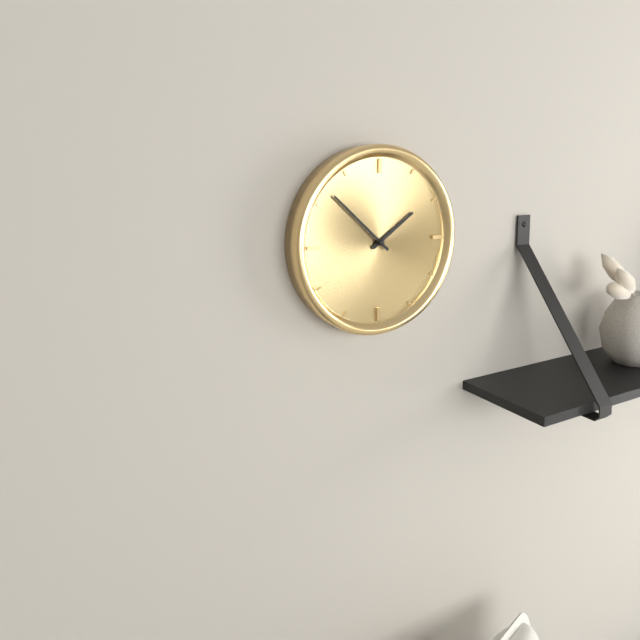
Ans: 1:52
